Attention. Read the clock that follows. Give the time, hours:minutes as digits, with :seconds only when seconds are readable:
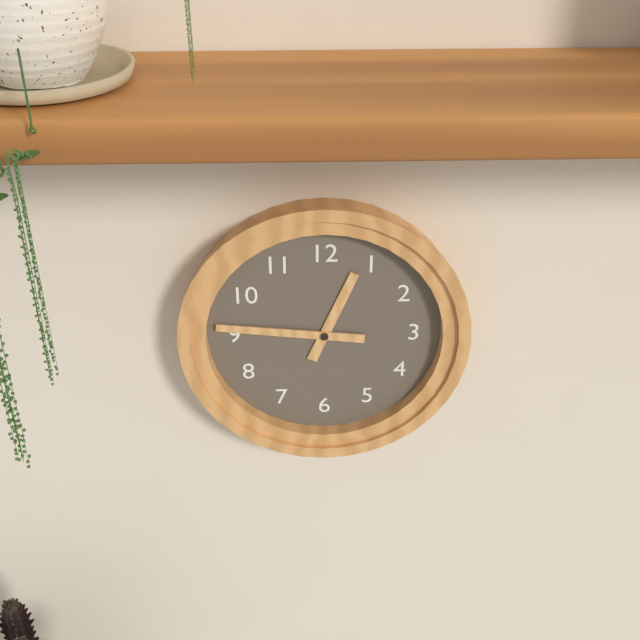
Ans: 12:46
